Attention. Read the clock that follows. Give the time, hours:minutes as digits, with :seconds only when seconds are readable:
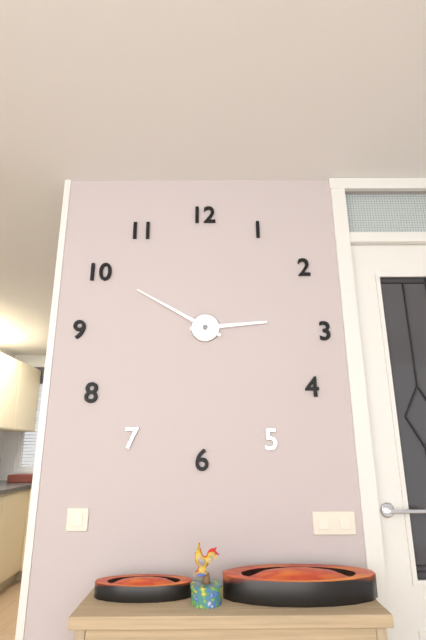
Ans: 2:50
